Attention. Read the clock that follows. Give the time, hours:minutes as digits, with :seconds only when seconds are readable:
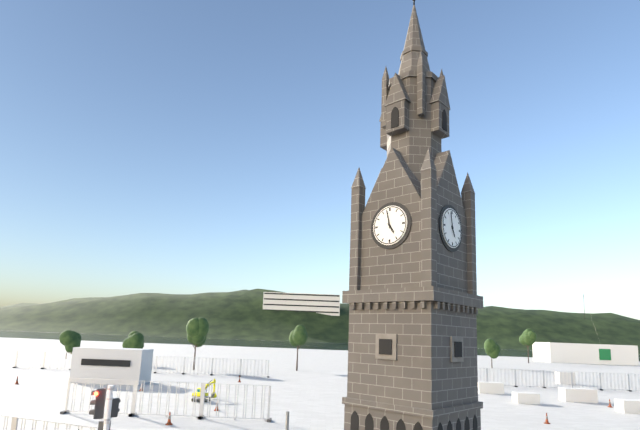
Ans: 4:58
